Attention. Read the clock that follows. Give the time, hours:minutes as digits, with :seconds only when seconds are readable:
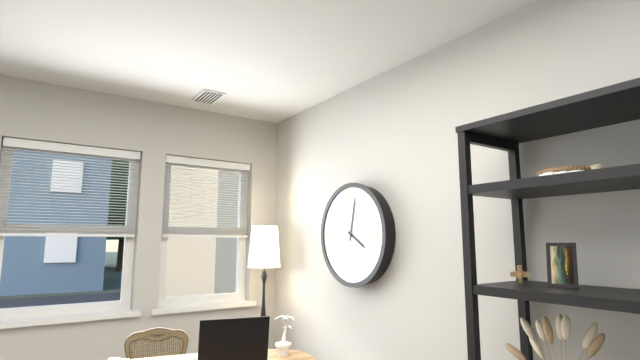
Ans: 4:02
